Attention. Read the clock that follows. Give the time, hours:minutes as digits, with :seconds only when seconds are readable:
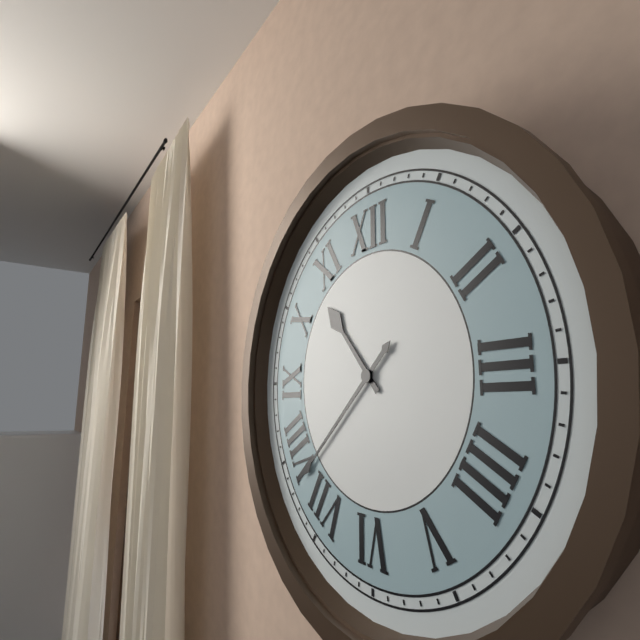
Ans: 10:38
